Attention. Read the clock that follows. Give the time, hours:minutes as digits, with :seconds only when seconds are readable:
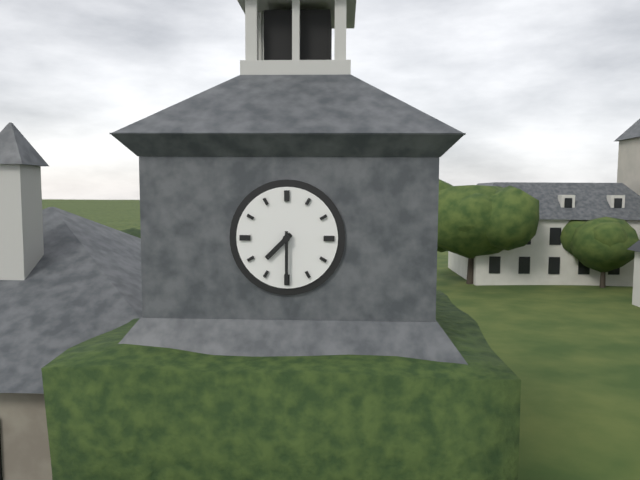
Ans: 7:30
